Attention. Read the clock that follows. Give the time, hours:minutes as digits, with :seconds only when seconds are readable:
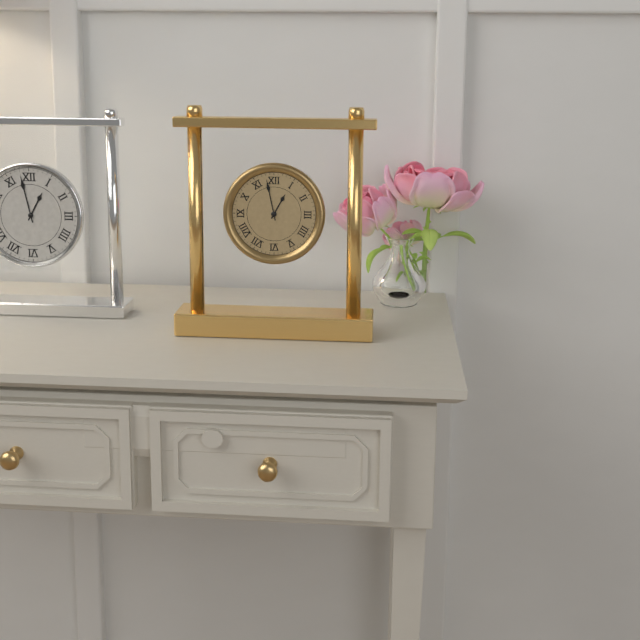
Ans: 12:58
